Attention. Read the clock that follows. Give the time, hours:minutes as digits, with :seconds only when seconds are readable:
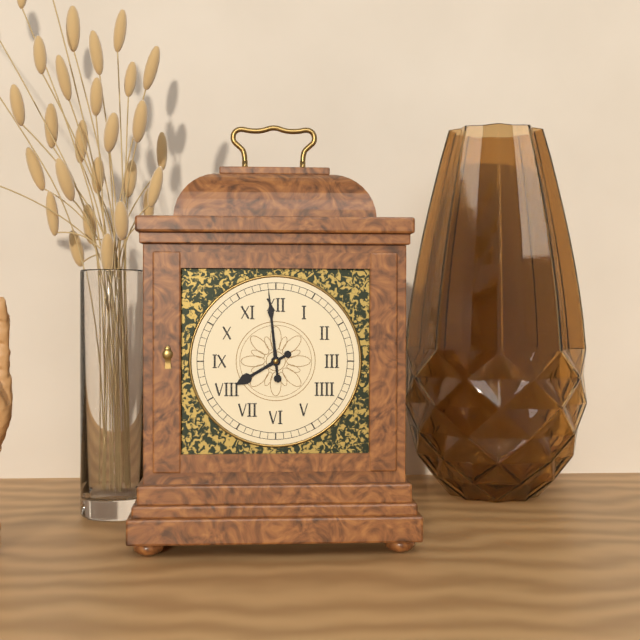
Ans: 7:59
